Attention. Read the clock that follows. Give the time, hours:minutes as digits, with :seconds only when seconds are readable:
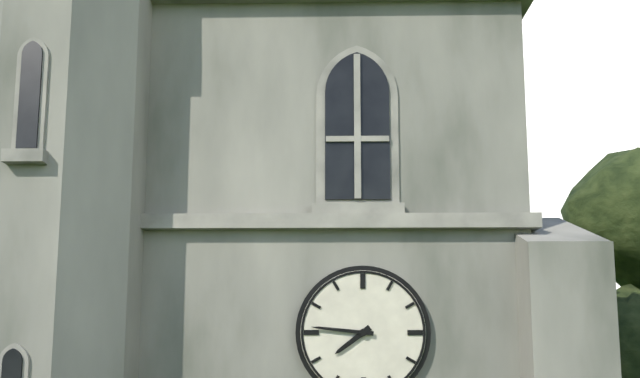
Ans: 7:46
